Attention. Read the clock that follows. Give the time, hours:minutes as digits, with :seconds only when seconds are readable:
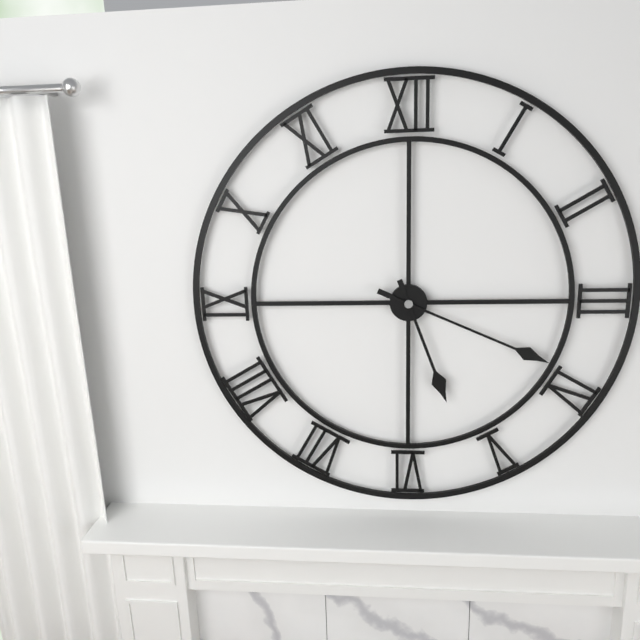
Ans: 5:19
